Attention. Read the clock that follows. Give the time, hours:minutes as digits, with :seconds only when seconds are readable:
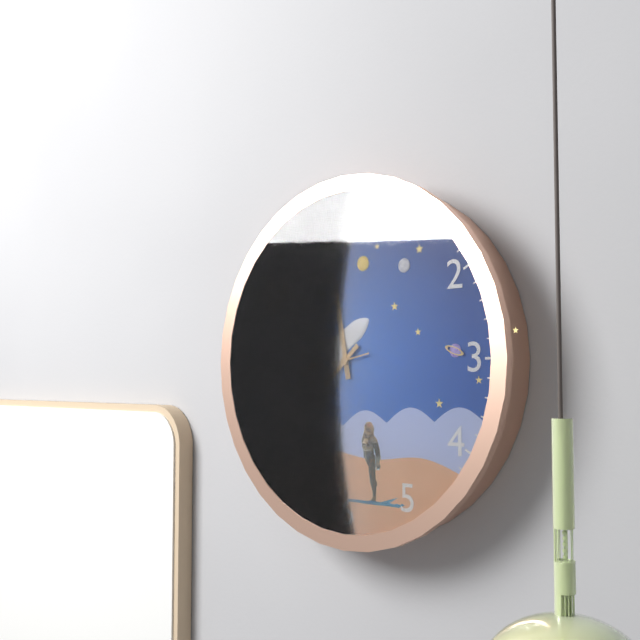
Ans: 11:38:43
